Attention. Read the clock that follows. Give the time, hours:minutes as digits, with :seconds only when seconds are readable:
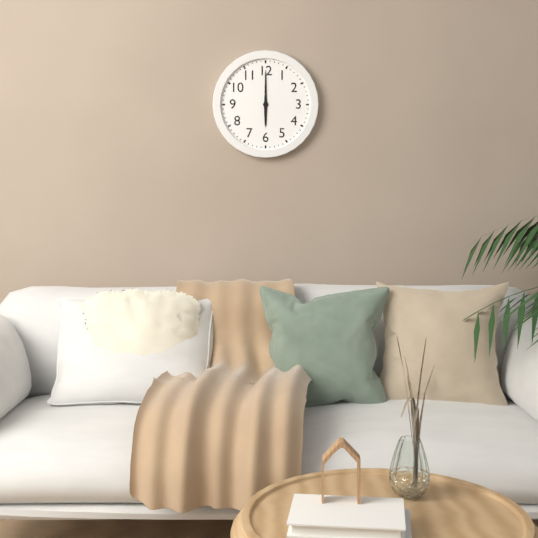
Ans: 6:00
